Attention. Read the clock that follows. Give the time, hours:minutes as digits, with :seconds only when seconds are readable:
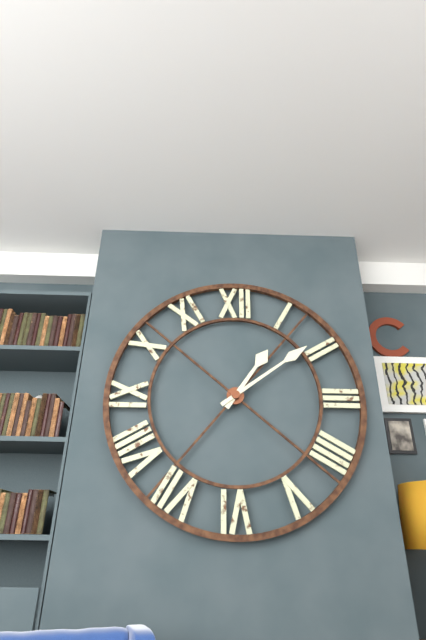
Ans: 1:09
